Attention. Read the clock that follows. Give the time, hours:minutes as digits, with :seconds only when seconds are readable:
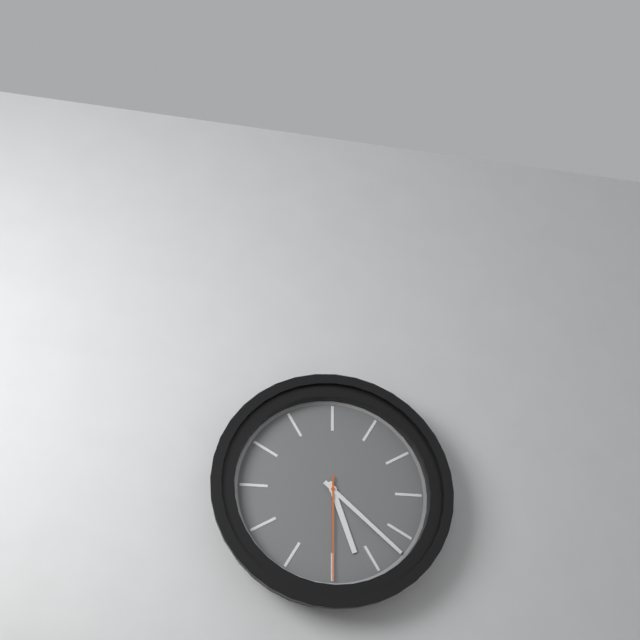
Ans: 5:22:30
